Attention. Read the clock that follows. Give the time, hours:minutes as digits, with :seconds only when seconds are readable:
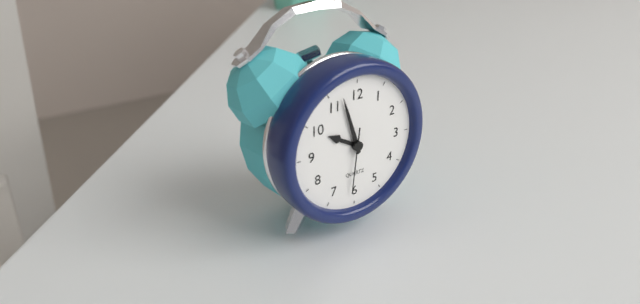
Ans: 9:57:31
